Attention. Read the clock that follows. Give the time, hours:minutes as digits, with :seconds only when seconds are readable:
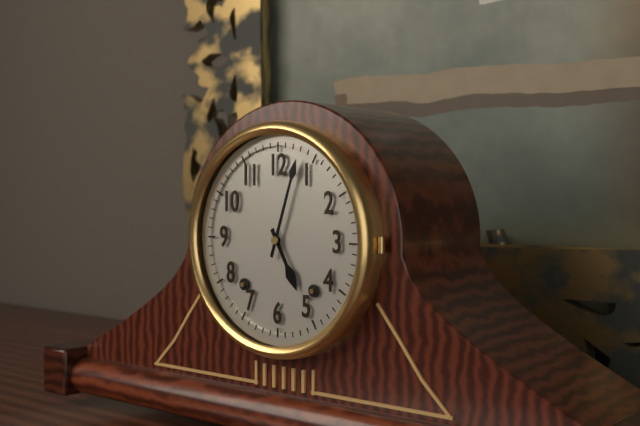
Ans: 5:03
